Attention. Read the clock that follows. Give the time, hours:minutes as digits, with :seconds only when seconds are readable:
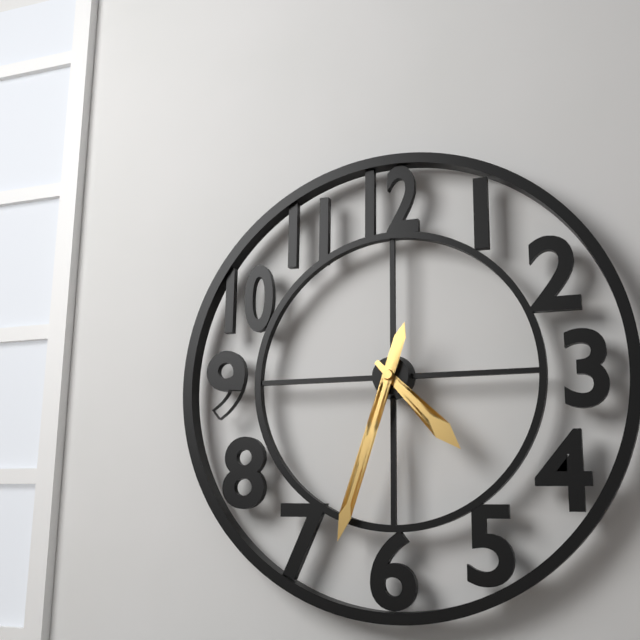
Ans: 4:33
